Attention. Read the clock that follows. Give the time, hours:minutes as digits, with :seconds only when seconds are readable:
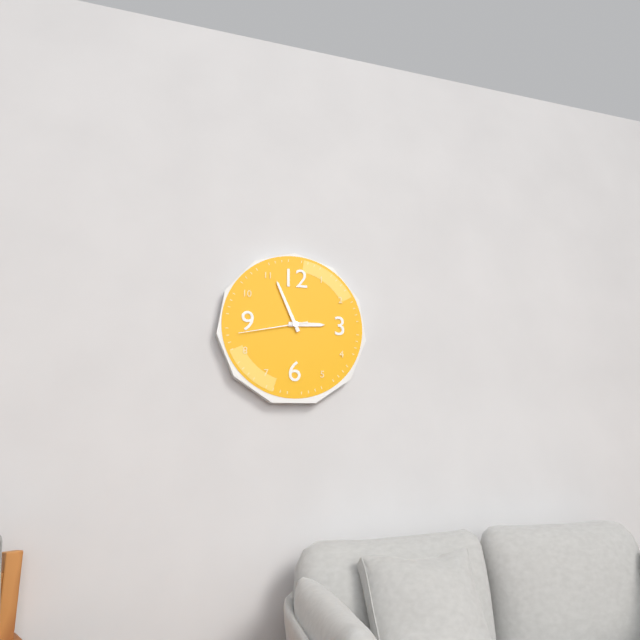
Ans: 2:56:43
